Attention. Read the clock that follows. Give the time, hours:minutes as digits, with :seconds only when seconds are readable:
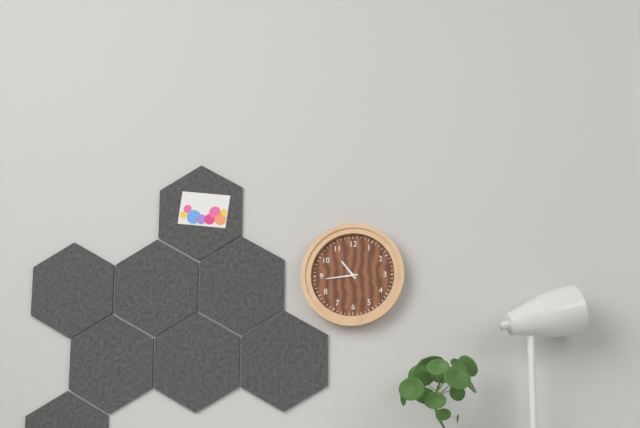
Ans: 10:44
